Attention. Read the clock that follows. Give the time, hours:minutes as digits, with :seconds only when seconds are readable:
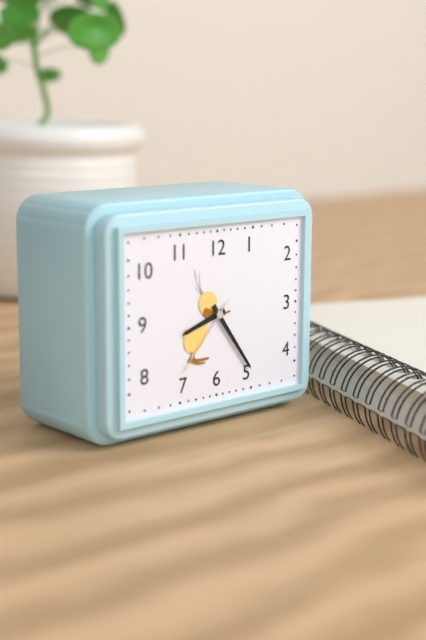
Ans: 8:24:37
